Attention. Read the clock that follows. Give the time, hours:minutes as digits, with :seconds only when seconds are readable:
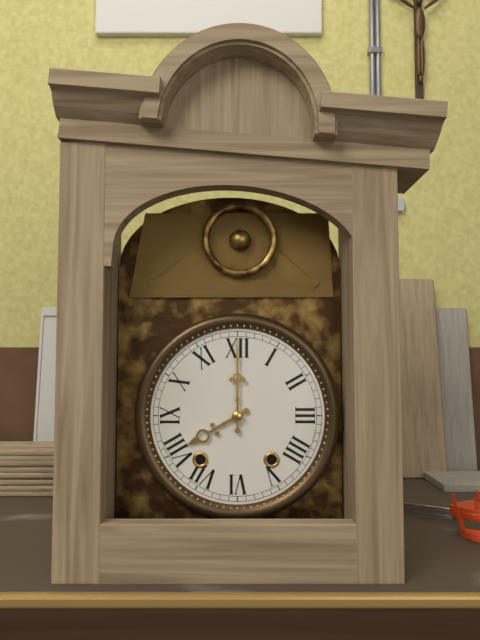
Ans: 8:00
